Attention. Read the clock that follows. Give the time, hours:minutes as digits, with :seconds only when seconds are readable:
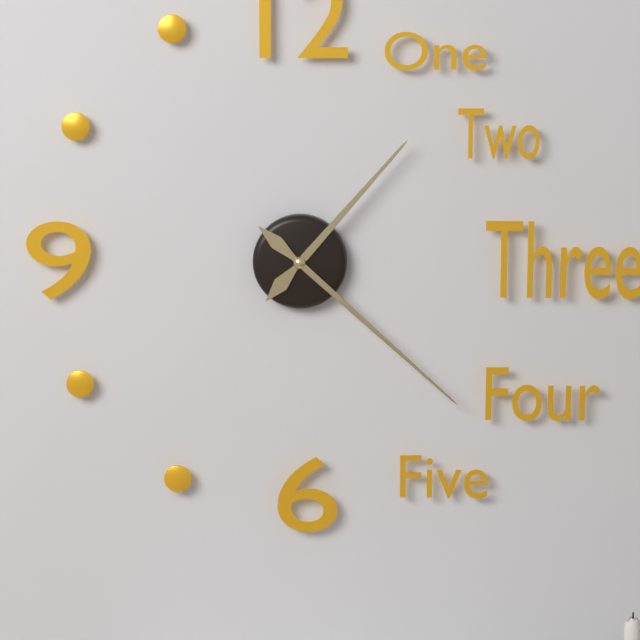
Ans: 1:22
